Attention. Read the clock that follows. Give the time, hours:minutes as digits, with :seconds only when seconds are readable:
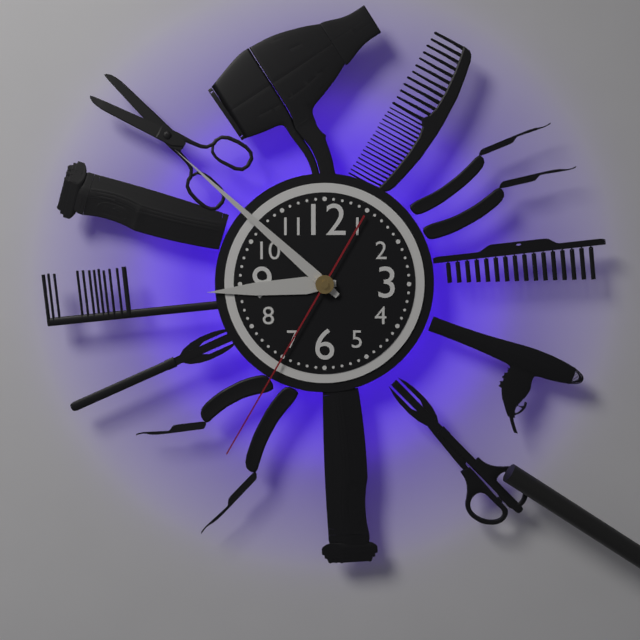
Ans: 8:52:35
